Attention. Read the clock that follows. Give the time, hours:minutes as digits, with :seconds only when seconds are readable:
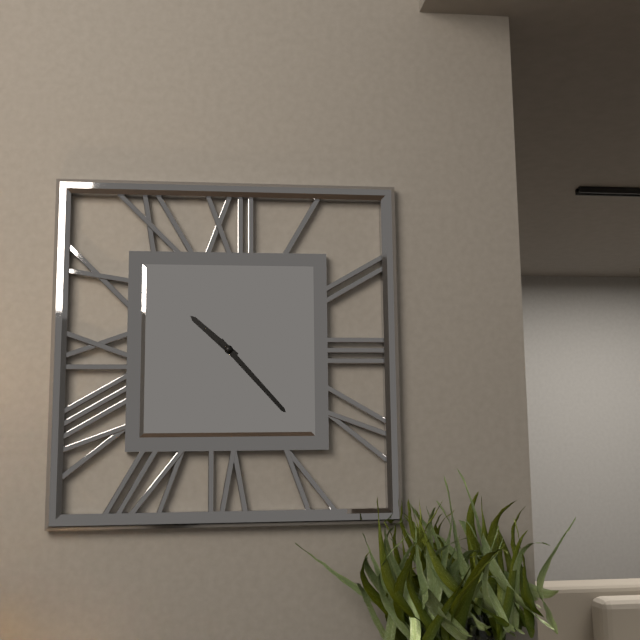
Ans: 10:23
